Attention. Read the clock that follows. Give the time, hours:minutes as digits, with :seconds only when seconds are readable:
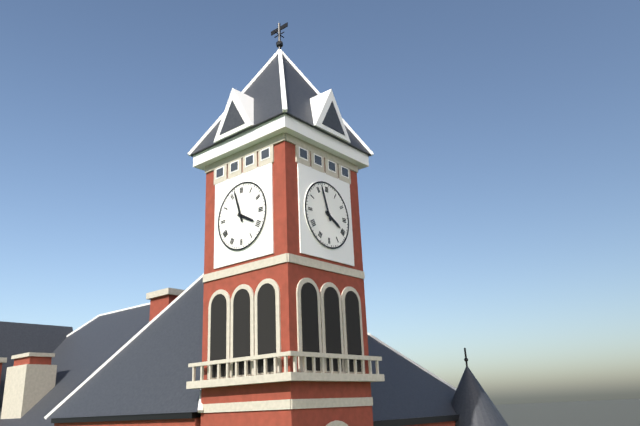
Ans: 3:57
